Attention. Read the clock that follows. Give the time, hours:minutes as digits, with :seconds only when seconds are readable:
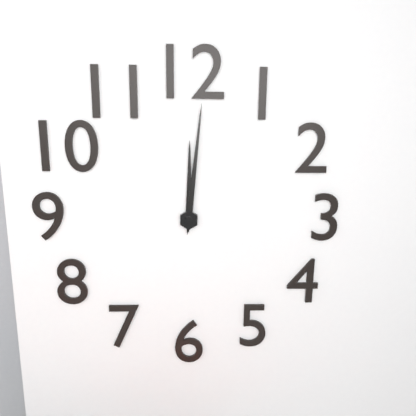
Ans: 12:01
